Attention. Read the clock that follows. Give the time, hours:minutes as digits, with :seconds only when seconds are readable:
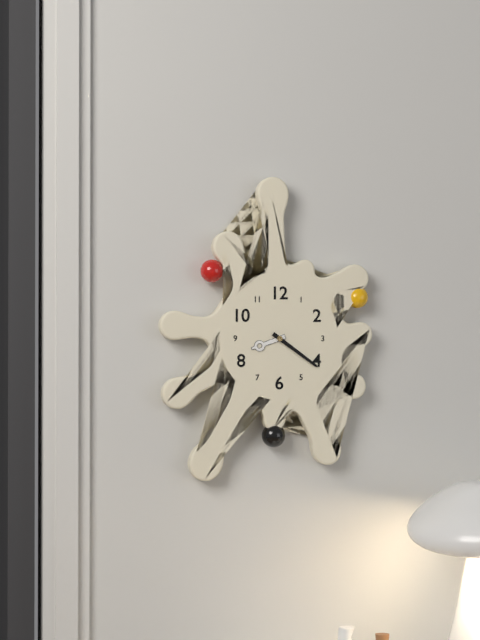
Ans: 8:21
